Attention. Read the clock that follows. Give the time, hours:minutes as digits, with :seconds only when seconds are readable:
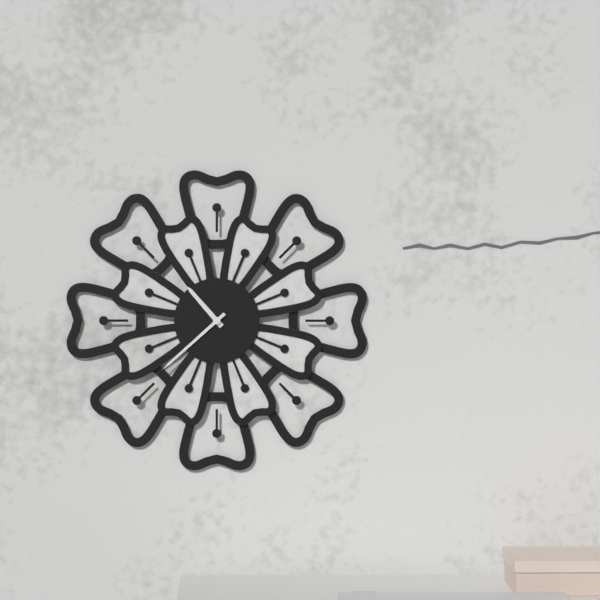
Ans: 10:38
